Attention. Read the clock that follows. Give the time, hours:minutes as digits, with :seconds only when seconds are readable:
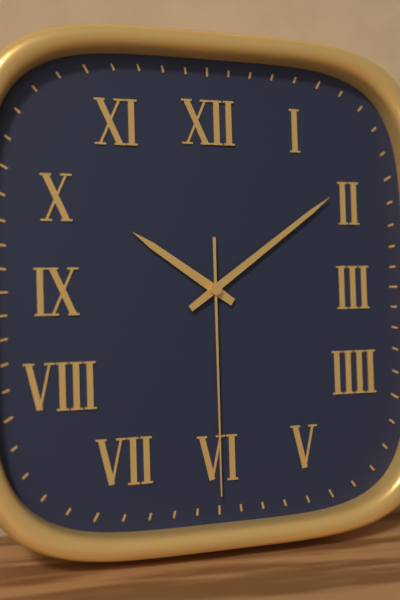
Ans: 10:09:30
